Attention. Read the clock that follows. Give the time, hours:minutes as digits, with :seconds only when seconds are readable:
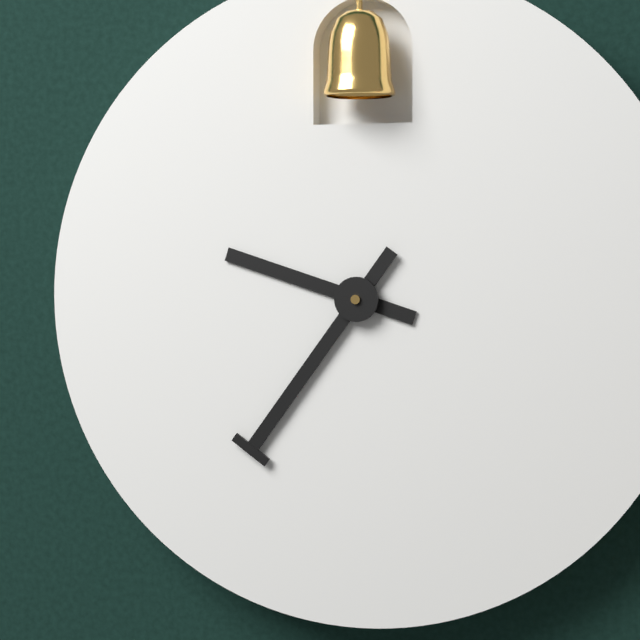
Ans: 9:36
